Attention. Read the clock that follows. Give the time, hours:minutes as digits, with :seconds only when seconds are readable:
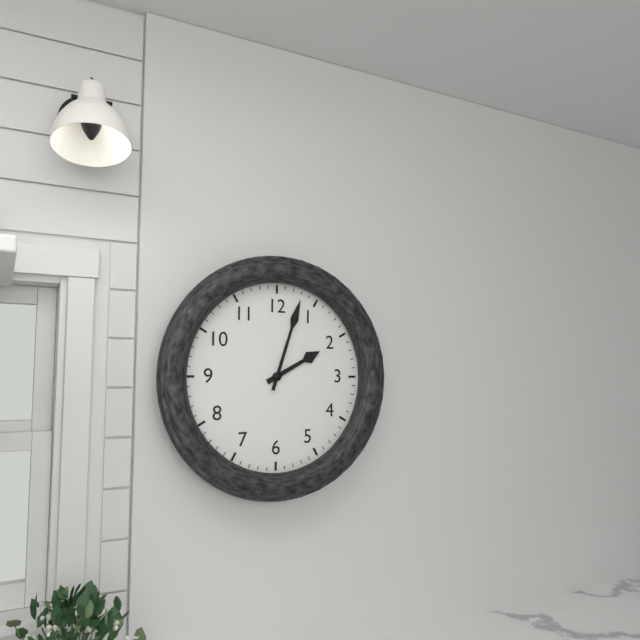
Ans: 2:03
